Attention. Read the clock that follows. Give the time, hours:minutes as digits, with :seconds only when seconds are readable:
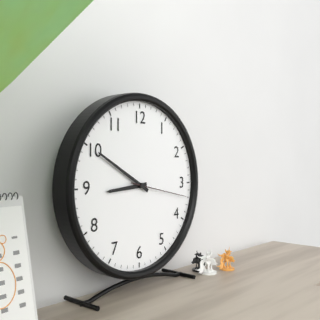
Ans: 8:50:17
